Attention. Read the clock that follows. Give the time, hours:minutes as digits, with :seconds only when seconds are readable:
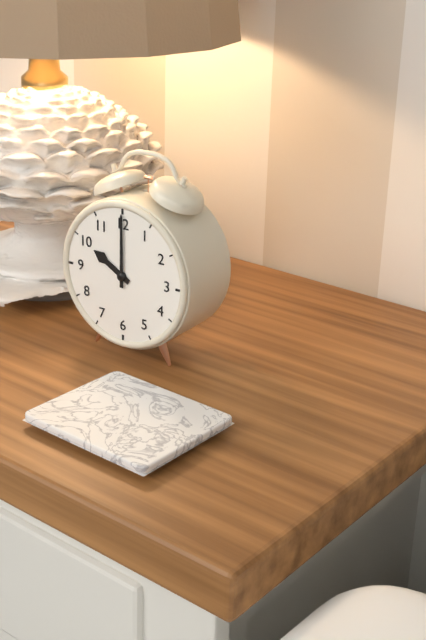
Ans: 10:00
